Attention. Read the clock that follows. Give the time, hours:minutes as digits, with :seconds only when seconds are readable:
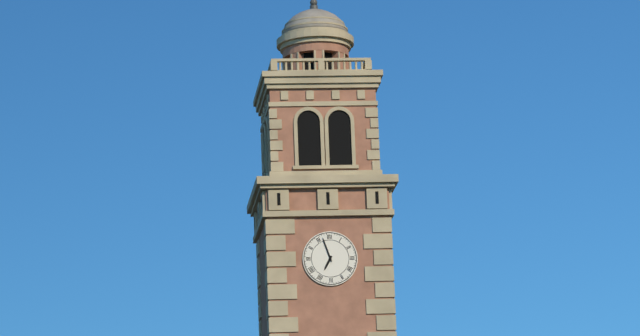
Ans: 6:57
